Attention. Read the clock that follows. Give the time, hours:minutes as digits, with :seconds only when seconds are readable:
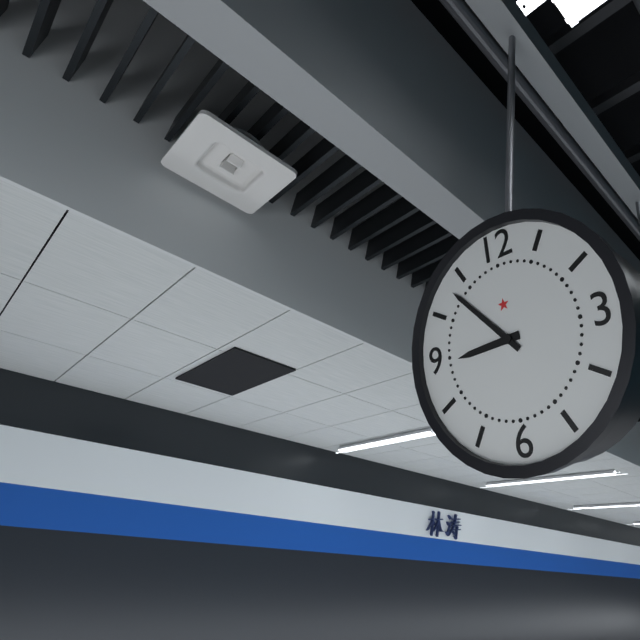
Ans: 8:53
